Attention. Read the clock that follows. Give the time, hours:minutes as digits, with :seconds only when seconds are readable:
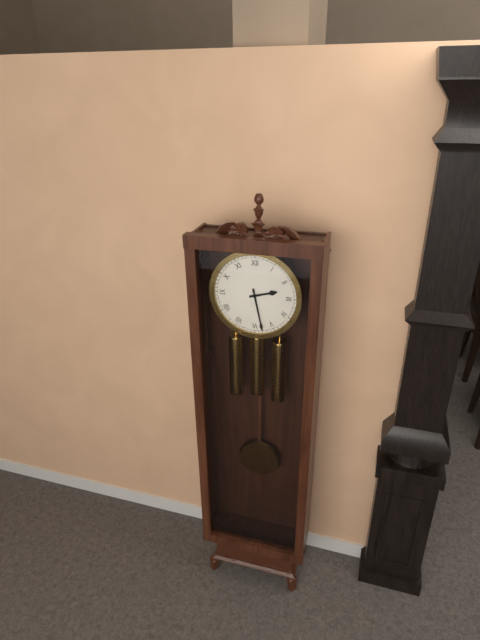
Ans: 2:28
